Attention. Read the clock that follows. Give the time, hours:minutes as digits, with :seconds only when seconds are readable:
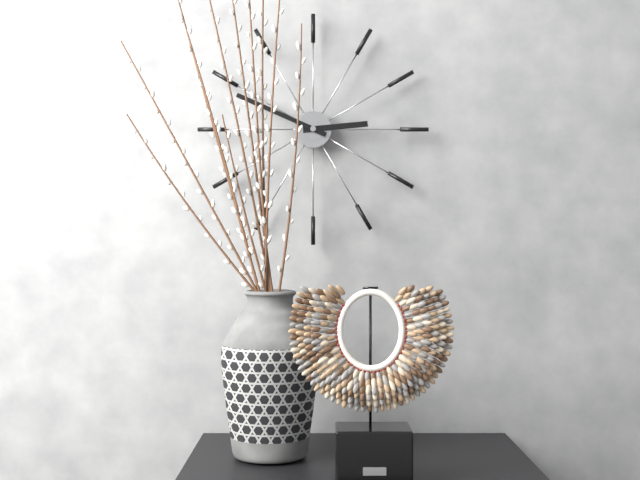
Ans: 2:49
